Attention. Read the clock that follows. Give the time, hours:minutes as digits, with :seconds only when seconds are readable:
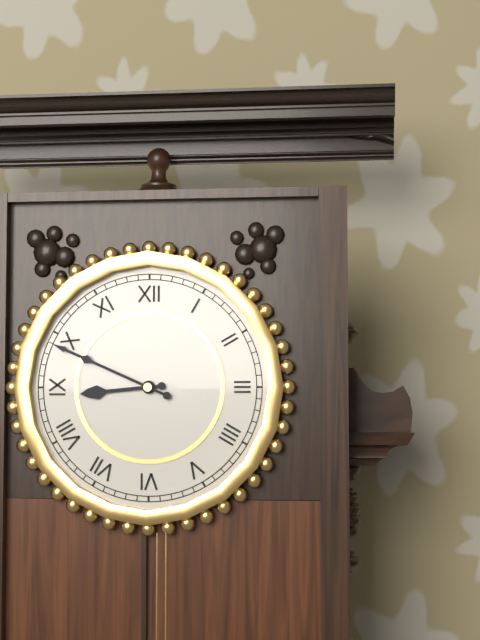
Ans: 8:49
